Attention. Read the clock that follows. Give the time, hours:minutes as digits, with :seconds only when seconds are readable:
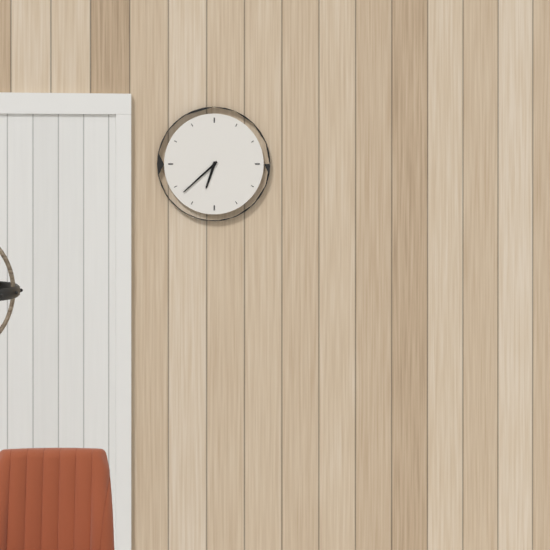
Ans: 6:38
